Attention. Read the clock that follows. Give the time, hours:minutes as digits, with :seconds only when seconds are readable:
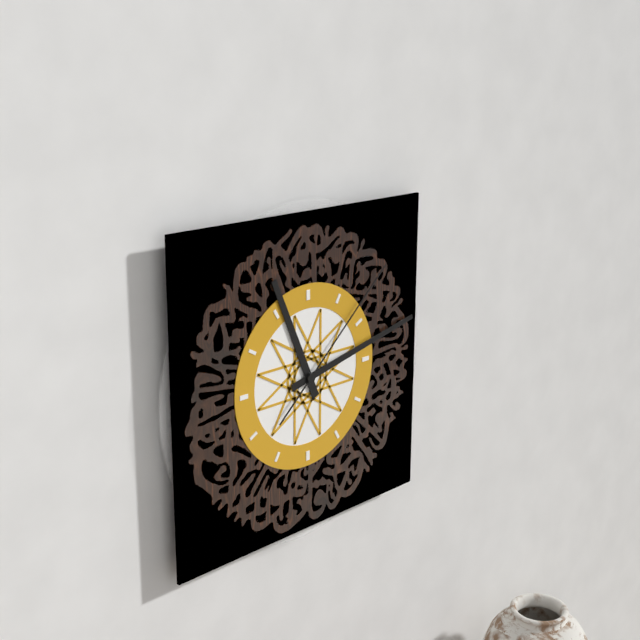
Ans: 11:13:08
